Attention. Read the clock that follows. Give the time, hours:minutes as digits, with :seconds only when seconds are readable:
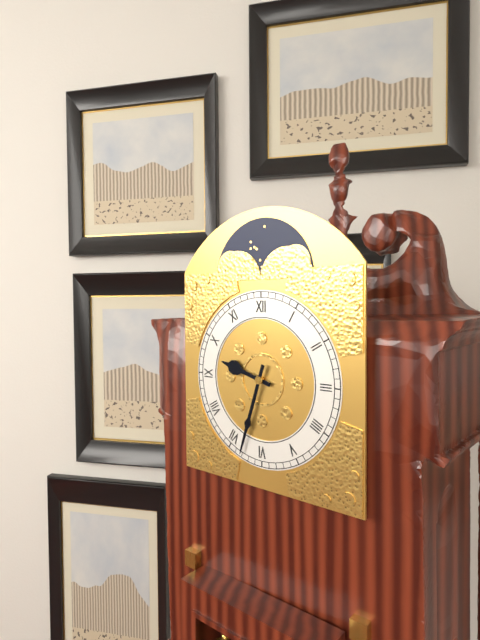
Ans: 9:33
